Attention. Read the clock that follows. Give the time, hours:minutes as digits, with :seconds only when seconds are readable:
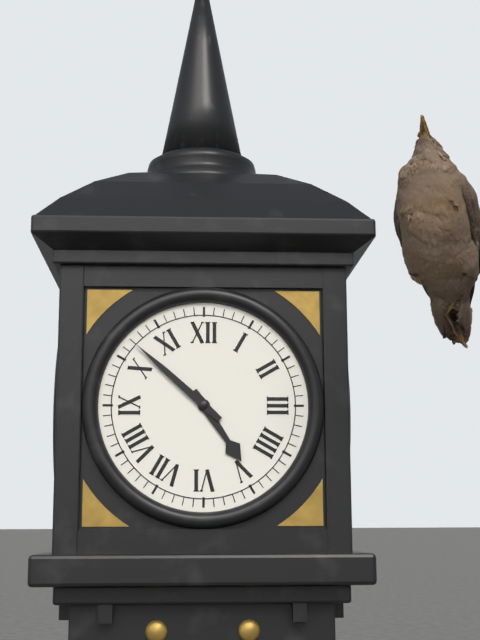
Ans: 4:52
